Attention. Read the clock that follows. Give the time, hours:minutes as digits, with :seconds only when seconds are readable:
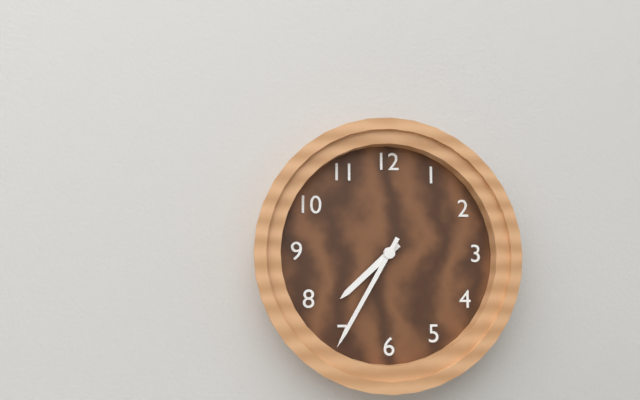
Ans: 7:35
